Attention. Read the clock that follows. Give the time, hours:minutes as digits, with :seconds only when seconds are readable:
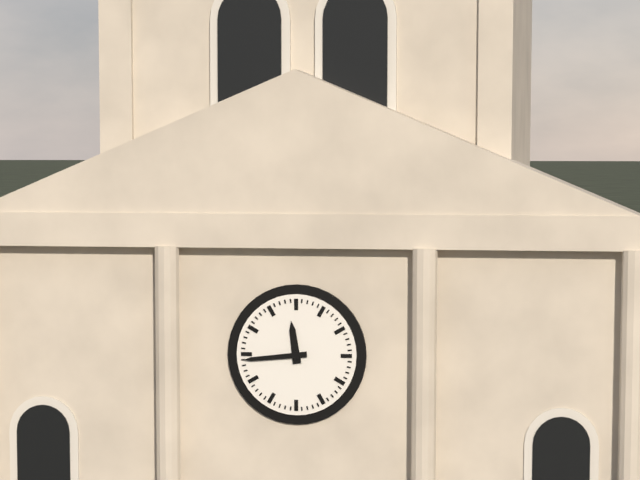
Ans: 11:44
